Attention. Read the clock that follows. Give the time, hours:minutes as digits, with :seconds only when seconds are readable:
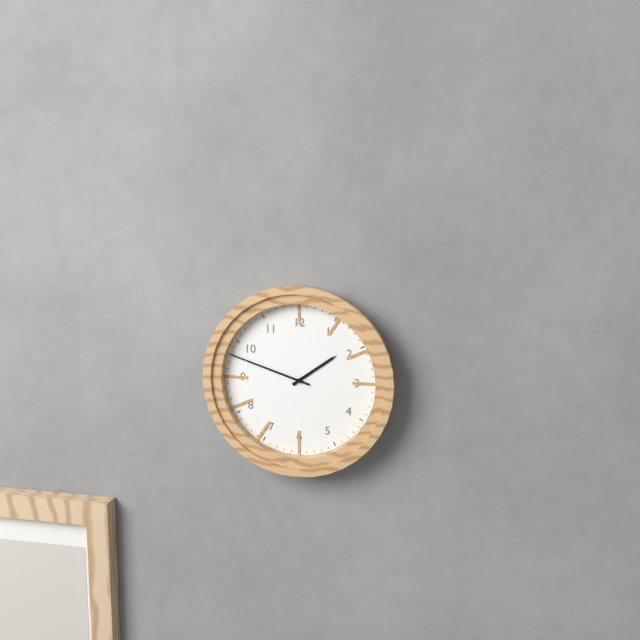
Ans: 1:48
